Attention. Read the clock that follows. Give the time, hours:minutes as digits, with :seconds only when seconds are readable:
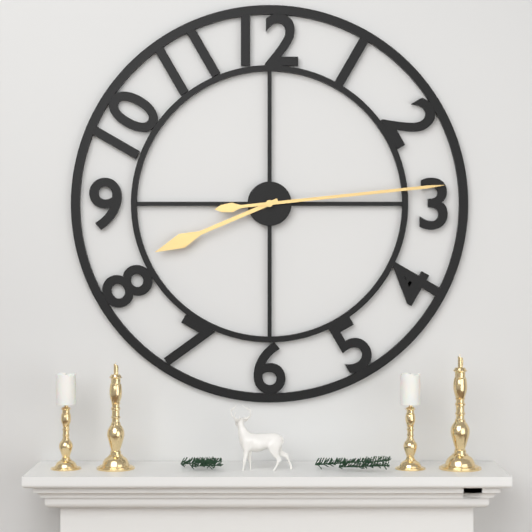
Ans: 8:14
